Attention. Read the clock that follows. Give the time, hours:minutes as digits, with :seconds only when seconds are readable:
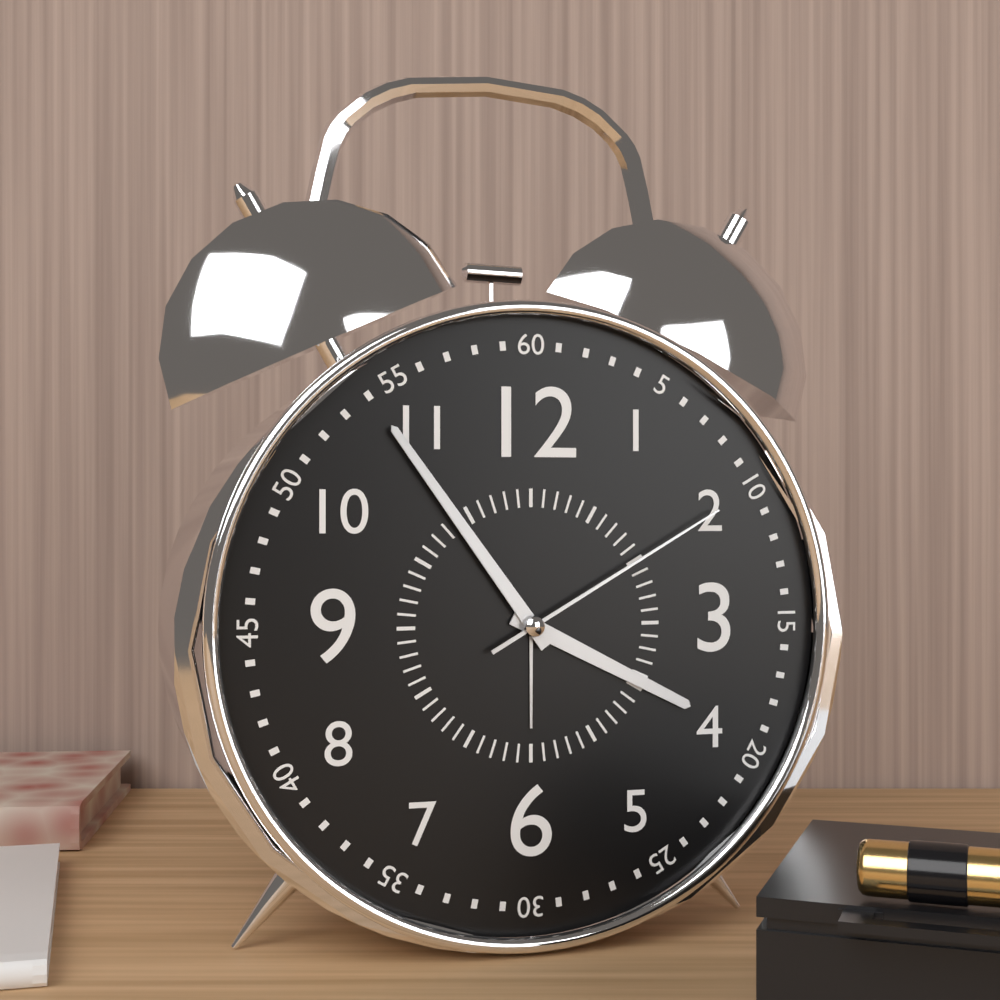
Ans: 3:54:10
